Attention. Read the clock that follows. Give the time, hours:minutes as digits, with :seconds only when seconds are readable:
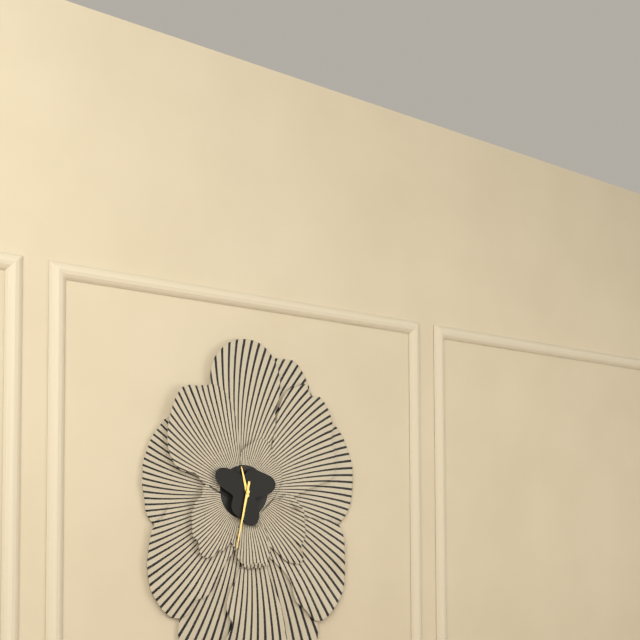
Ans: 11:32
